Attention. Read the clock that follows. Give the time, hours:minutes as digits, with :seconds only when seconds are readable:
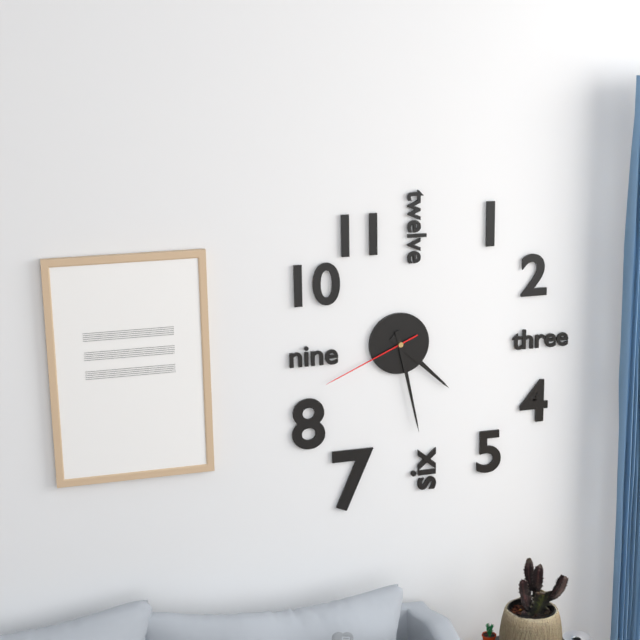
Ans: 4:28:41
